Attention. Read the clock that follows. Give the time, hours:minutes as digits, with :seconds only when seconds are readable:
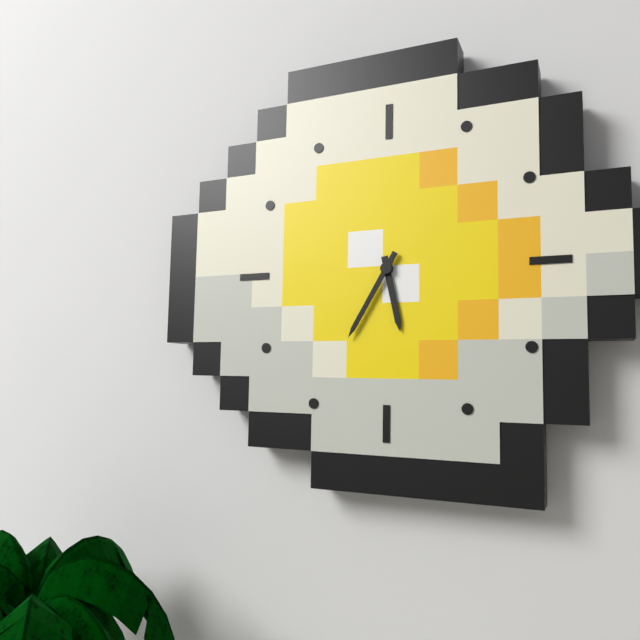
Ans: 5:35
